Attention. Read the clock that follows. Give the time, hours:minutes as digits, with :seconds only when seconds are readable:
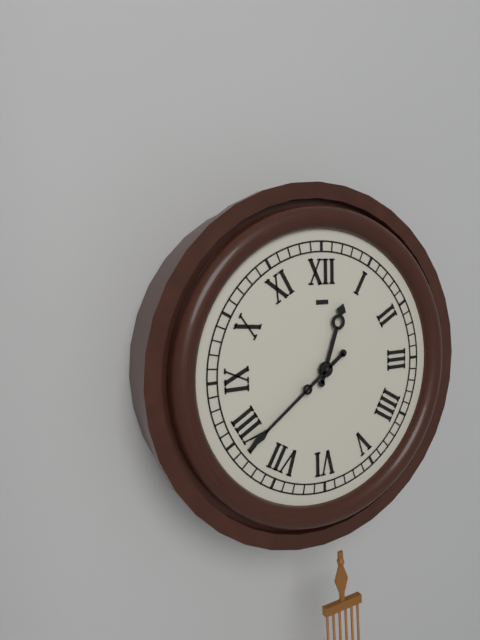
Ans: 12:39
